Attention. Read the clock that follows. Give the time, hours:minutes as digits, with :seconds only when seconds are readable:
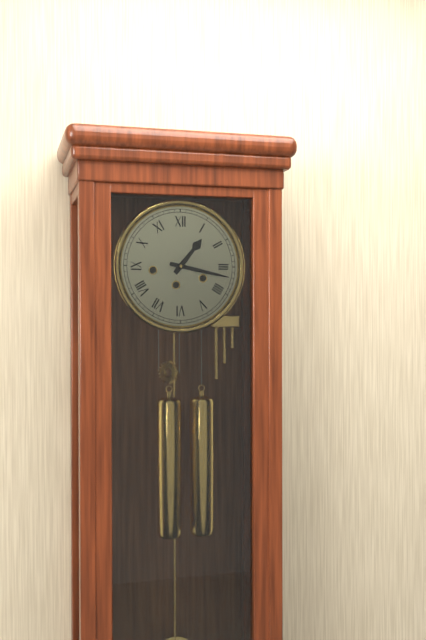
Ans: 1:17
